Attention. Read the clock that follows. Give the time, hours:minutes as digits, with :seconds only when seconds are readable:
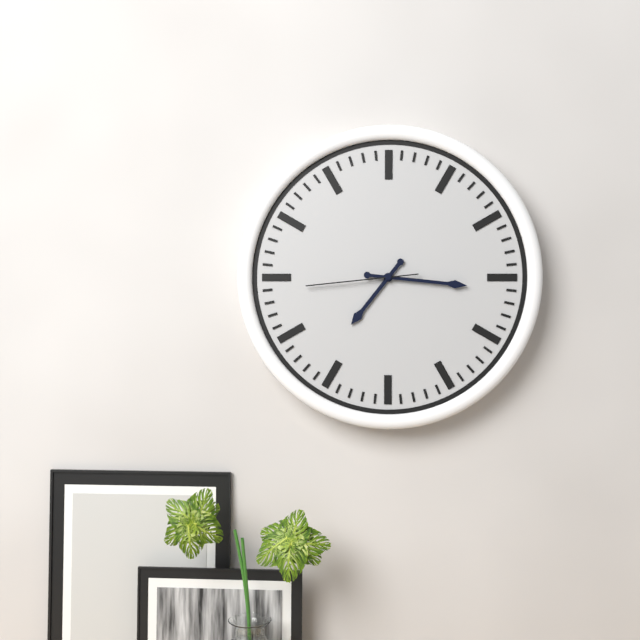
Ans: 7:16:44
